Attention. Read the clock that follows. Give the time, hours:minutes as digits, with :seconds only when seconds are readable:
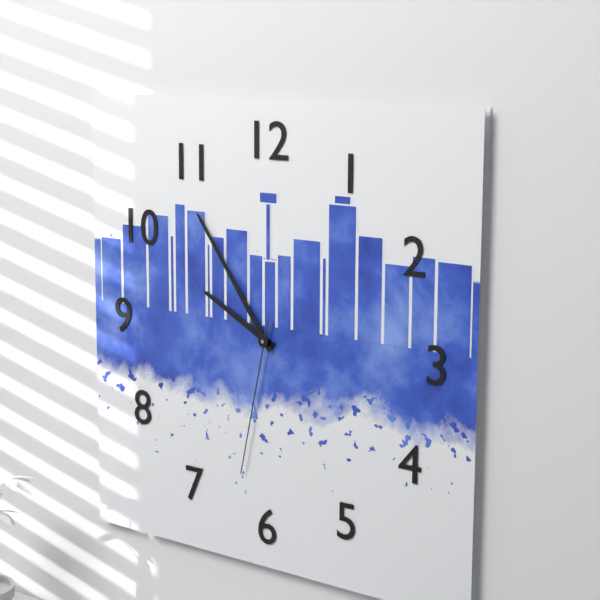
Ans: 9:54:32
